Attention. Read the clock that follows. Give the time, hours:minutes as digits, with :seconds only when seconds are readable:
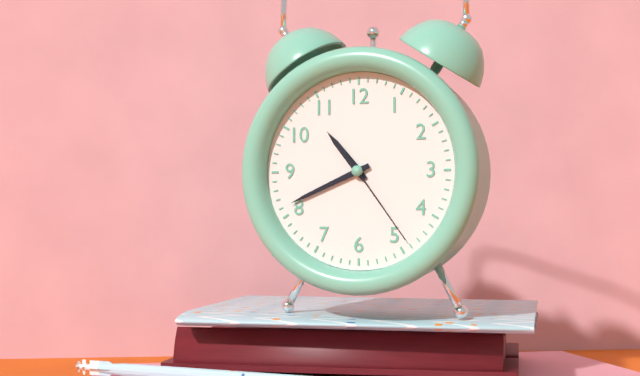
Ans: 10:41:24
